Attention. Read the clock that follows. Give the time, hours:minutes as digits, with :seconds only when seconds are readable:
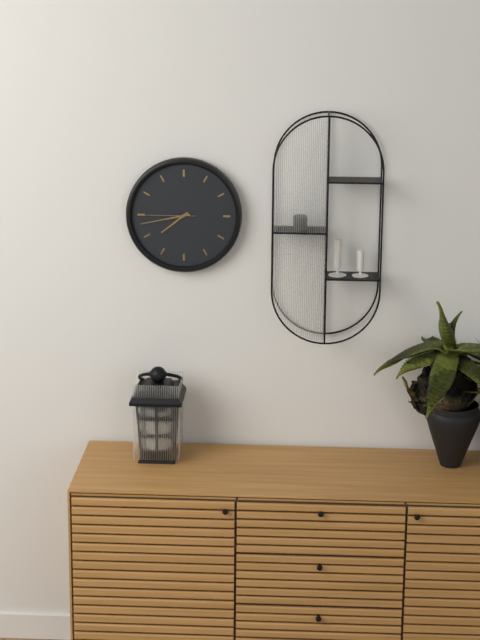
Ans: 7:43:45
